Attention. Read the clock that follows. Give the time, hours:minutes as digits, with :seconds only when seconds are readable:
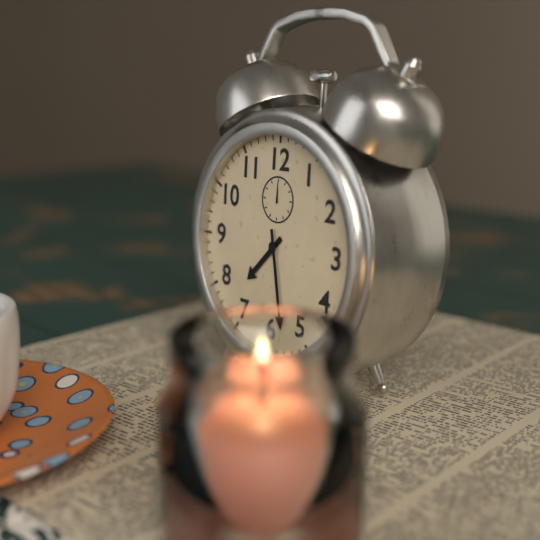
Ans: 7:28
